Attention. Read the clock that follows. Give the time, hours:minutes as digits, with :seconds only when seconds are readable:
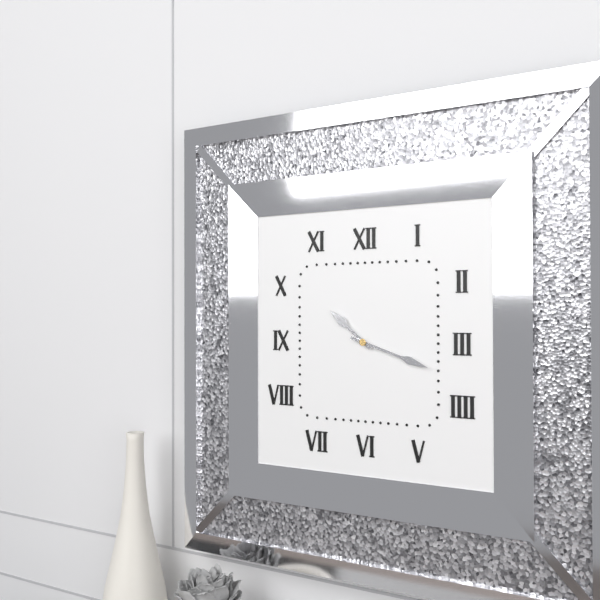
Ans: 10:18
